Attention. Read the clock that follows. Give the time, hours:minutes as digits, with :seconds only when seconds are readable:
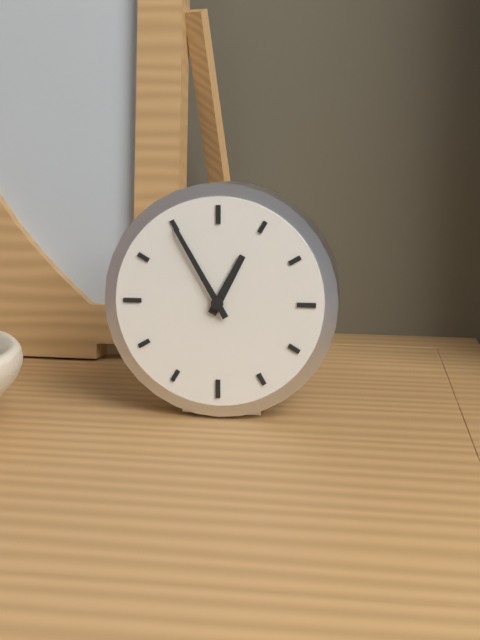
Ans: 12:55
